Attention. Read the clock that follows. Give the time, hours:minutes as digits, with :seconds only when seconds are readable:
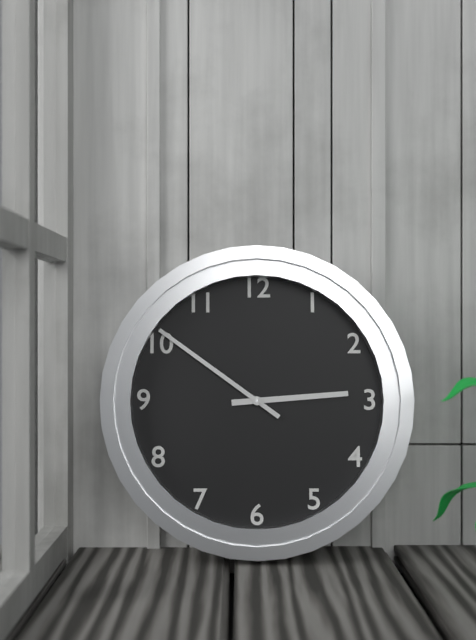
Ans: 2:51
